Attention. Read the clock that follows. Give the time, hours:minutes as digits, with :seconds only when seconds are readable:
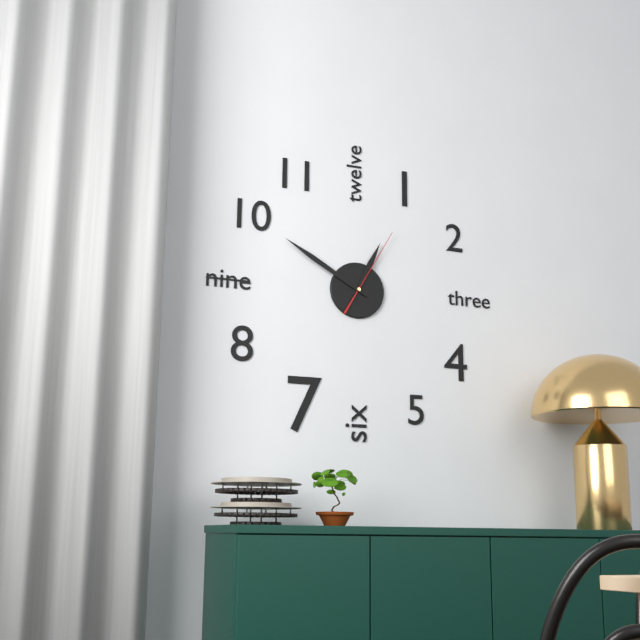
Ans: 12:50:05
